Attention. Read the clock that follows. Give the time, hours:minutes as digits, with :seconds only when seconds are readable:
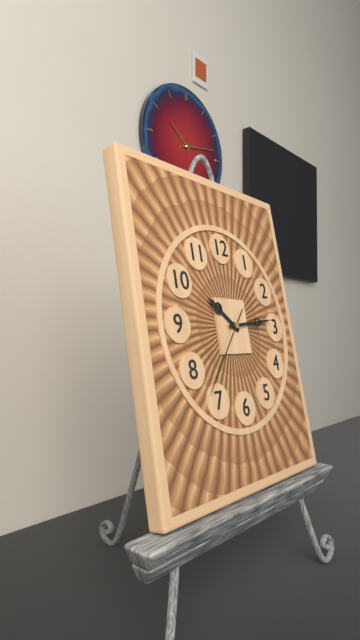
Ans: 10:14:37
